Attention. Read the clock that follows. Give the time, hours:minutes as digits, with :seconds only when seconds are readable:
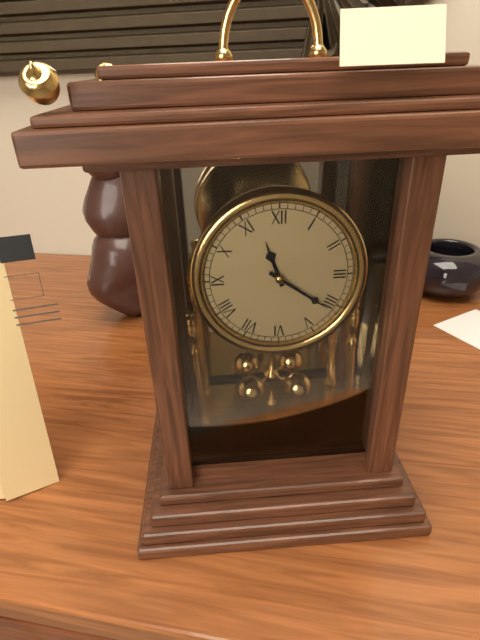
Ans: 11:21
